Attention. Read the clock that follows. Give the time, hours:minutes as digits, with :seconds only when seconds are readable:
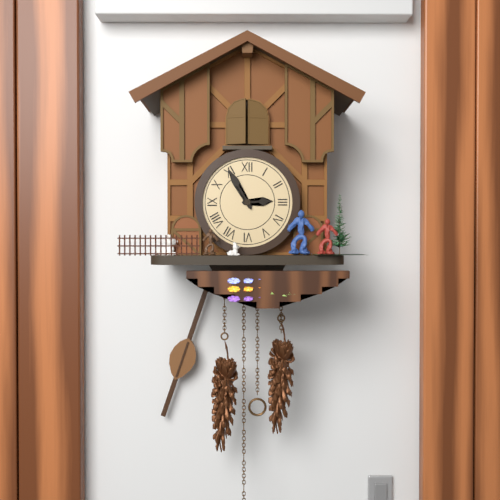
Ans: 2:55
